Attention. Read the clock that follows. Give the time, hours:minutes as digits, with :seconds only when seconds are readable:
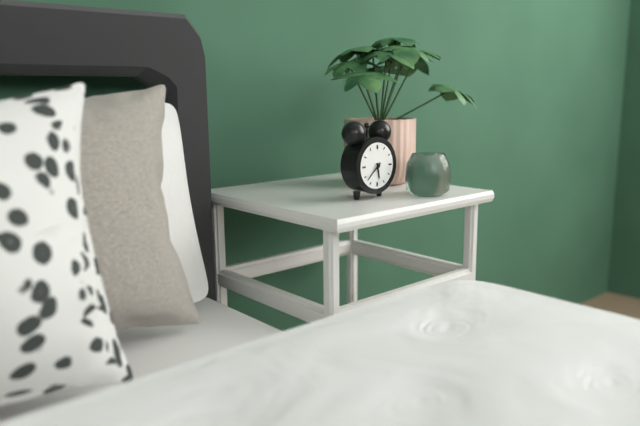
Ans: 5:38
